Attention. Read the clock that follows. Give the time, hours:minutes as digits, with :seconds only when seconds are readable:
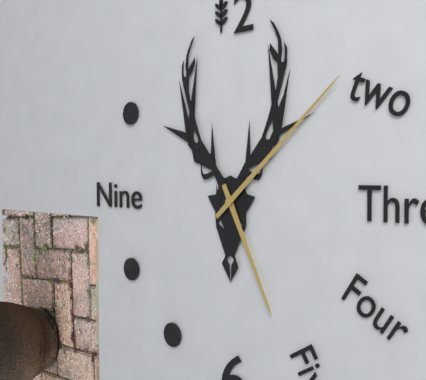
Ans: 5:08
